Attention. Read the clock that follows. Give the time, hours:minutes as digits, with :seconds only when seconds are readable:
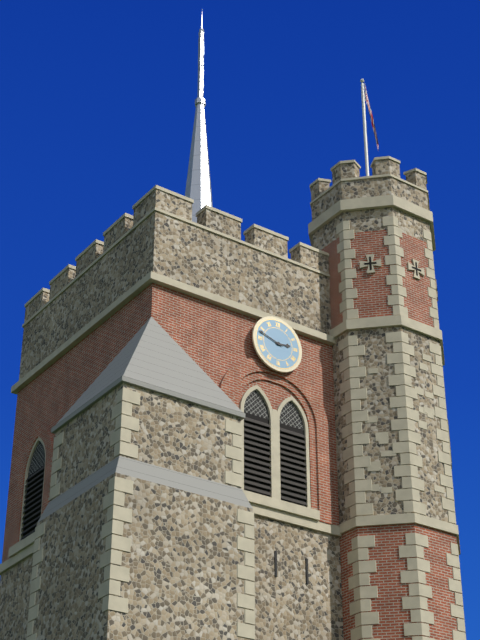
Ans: 2:48
